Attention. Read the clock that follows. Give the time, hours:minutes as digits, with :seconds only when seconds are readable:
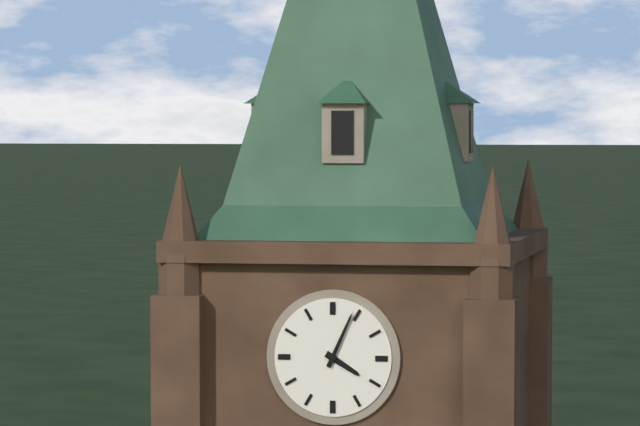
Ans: 4:04
